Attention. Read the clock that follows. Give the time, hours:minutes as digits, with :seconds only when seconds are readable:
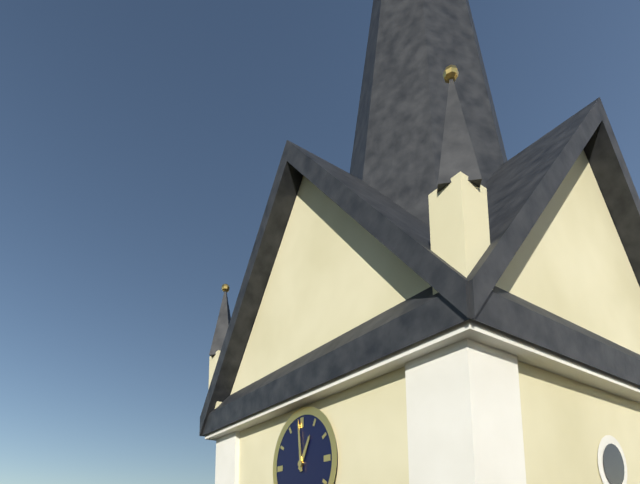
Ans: 12:59
